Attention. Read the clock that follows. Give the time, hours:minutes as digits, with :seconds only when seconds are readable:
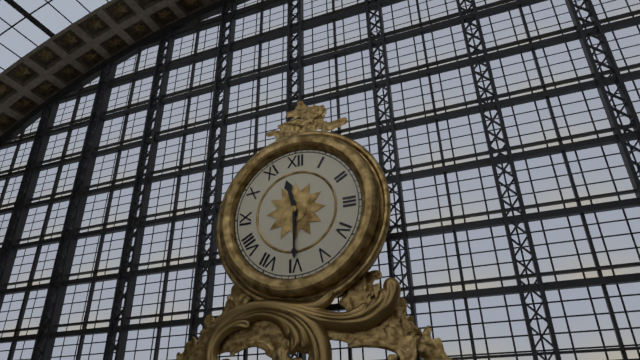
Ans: 11:30
